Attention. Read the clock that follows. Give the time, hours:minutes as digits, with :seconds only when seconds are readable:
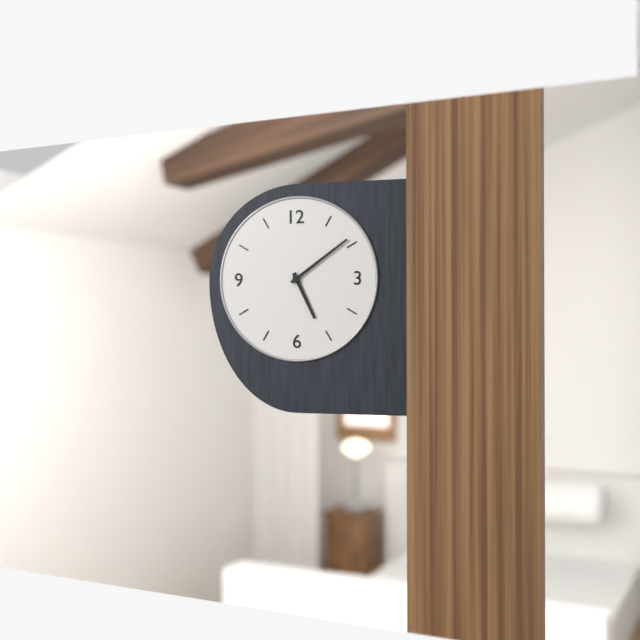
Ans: 5:09
